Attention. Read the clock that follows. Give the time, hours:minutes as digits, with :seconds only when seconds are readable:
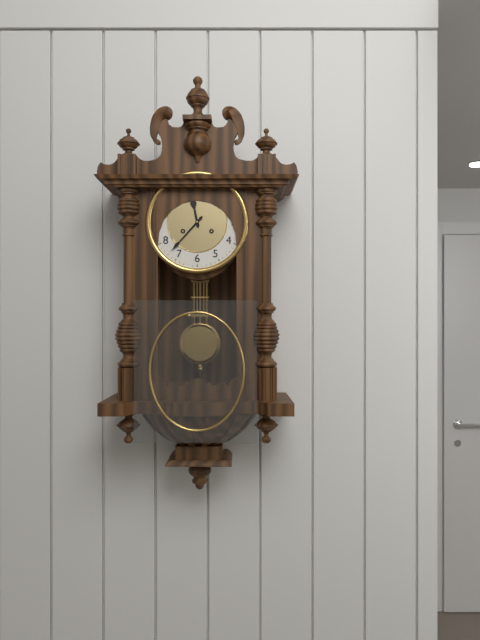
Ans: 11:37
